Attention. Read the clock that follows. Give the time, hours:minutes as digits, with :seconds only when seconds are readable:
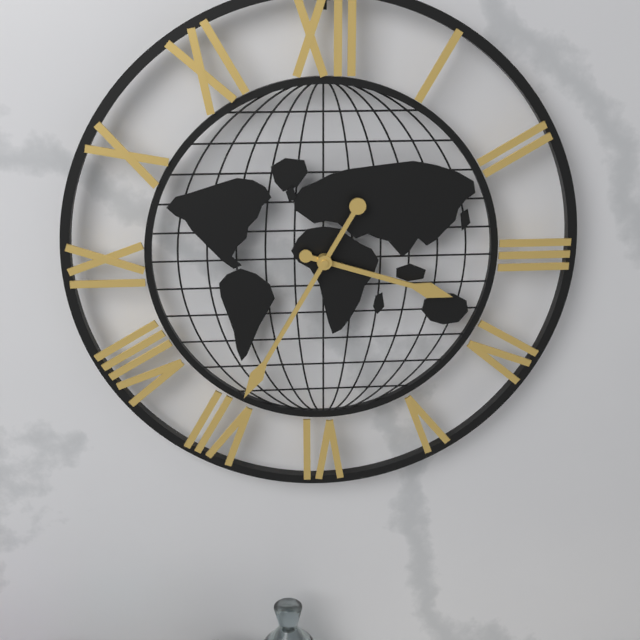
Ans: 3:35
